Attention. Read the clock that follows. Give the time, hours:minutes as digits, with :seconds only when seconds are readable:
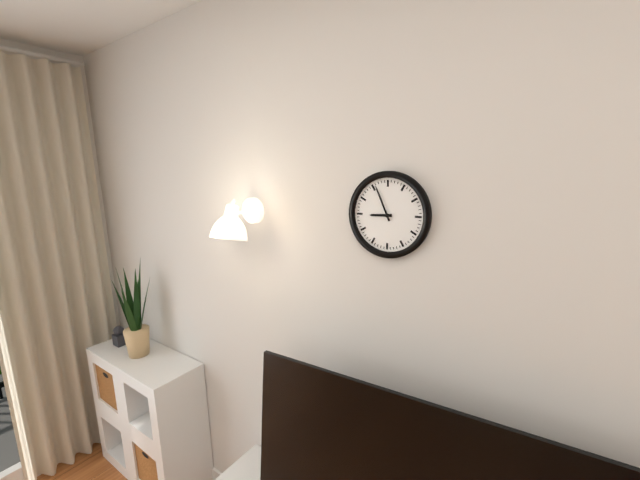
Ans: 8:56
